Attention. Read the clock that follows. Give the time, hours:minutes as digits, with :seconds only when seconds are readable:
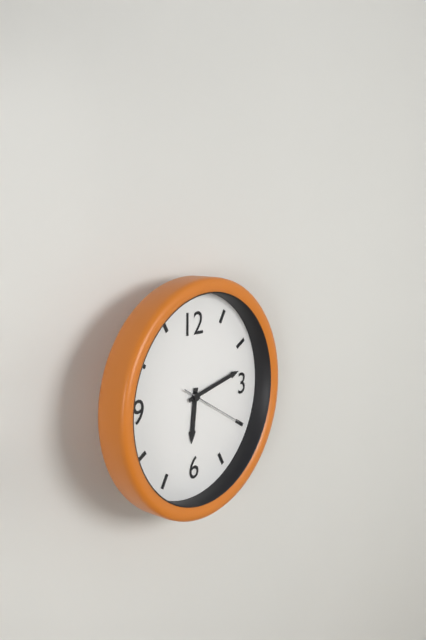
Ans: 6:13:20
